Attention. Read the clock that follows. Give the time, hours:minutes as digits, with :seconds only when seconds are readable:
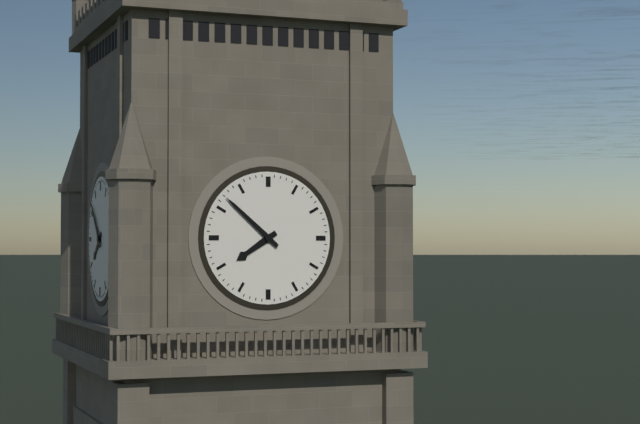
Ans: 7:52
